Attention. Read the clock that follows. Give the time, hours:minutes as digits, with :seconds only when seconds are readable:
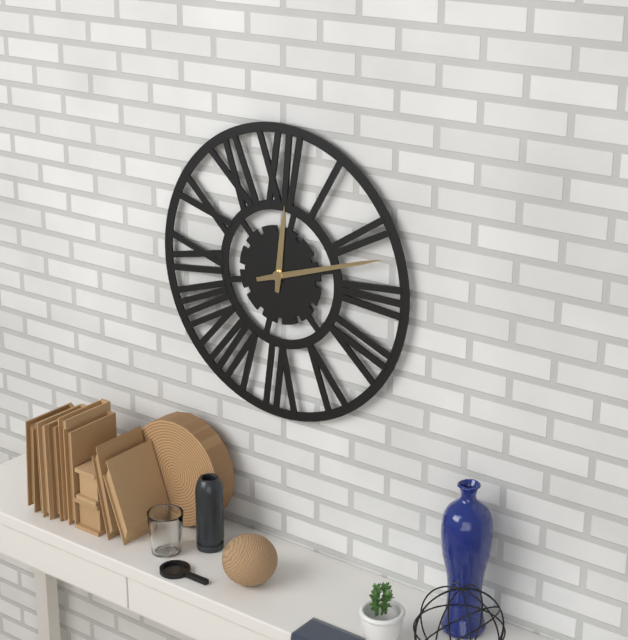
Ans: 12:12
